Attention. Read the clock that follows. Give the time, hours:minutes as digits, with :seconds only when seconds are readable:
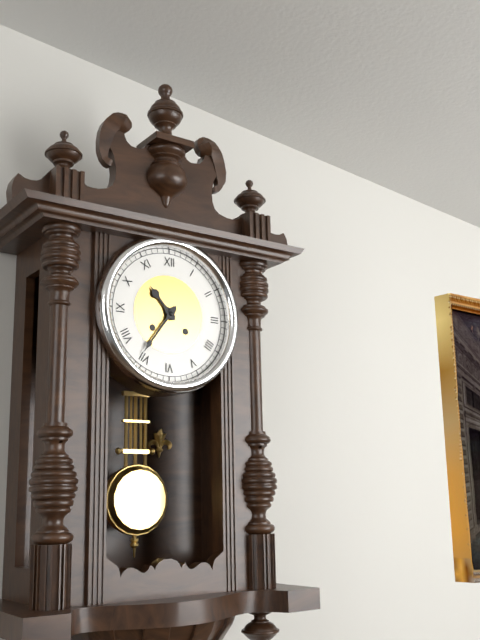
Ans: 10:36
